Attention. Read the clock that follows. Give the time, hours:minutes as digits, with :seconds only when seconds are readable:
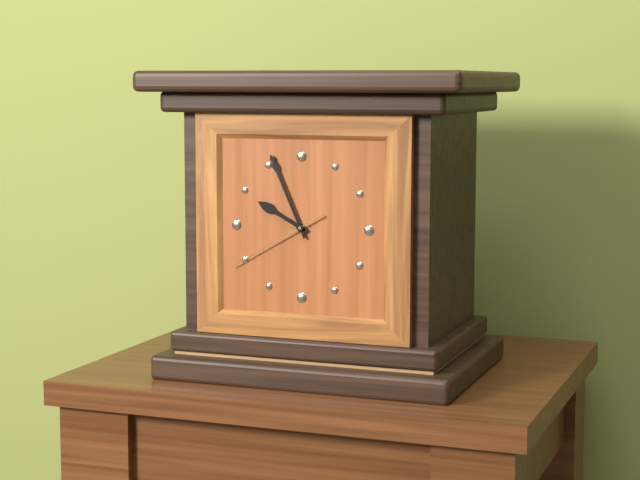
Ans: 9:56:40
